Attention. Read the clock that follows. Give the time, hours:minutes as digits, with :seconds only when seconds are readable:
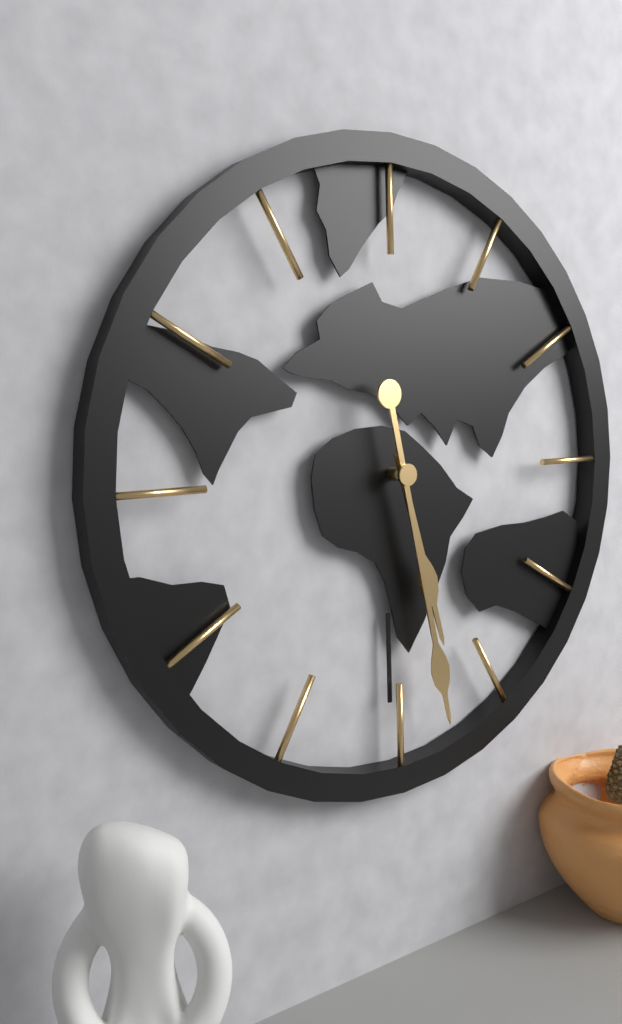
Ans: 5:28
